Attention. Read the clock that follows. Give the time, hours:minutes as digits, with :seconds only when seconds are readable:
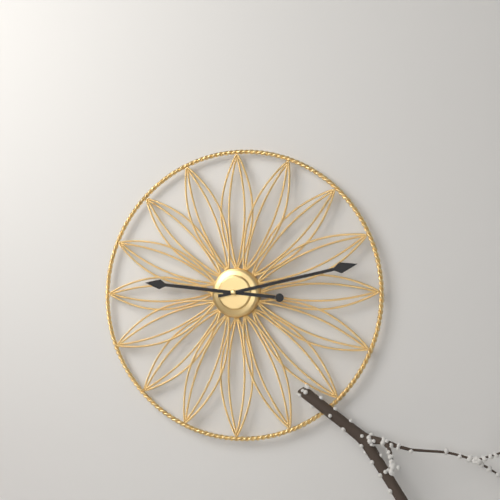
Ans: 9:13
